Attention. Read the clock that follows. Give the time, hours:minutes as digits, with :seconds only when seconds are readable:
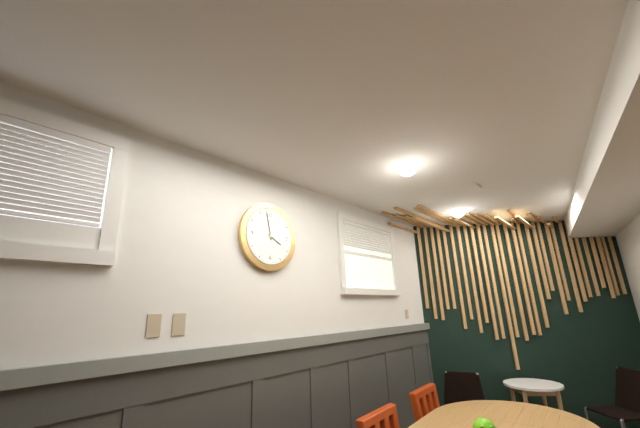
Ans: 3:58
